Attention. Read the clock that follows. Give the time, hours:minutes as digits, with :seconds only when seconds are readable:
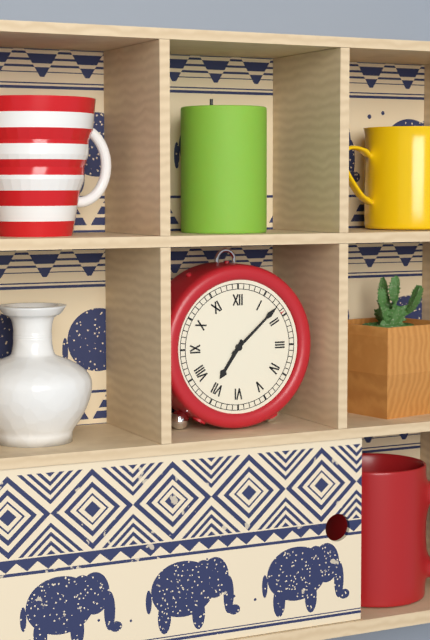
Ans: 7:08
